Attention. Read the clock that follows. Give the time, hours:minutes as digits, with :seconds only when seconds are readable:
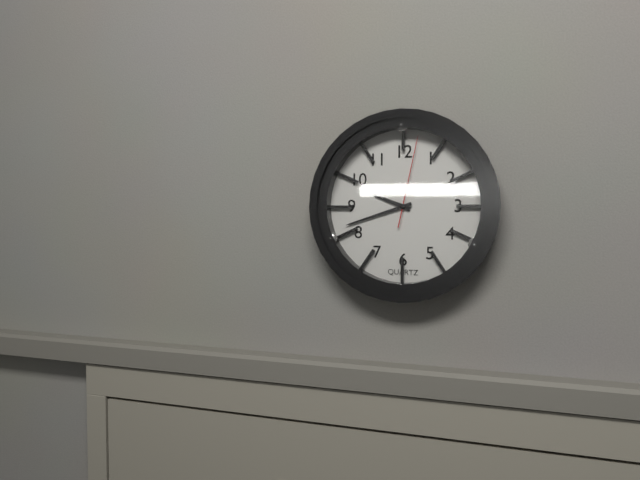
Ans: 9:42:02
